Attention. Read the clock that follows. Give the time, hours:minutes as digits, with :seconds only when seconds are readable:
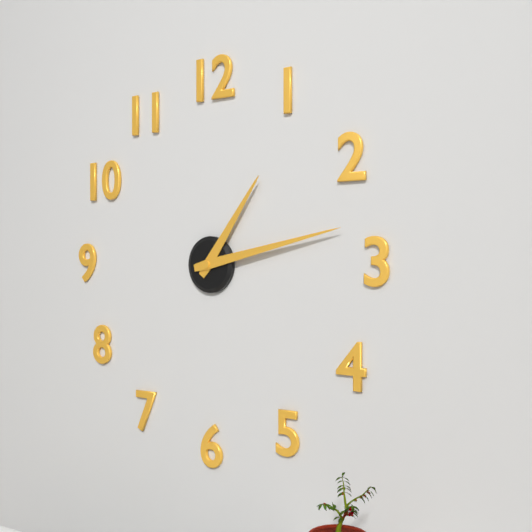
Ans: 1:13
